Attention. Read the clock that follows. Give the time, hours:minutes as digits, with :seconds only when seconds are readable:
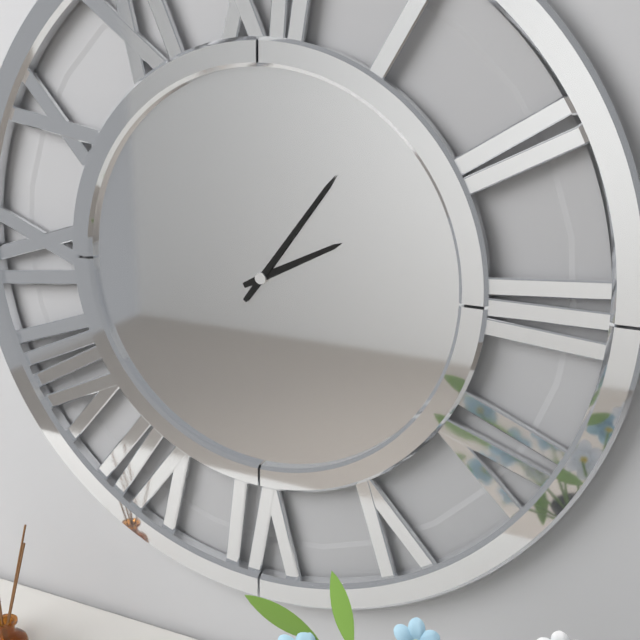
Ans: 2:06
